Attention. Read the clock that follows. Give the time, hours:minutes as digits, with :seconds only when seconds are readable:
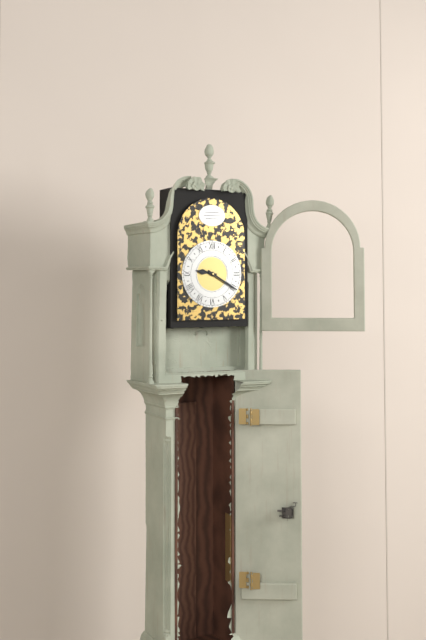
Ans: 9:20
